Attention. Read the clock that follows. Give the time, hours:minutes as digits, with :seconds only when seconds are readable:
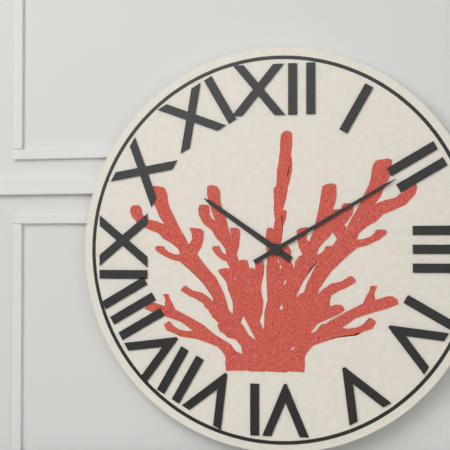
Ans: 10:10
